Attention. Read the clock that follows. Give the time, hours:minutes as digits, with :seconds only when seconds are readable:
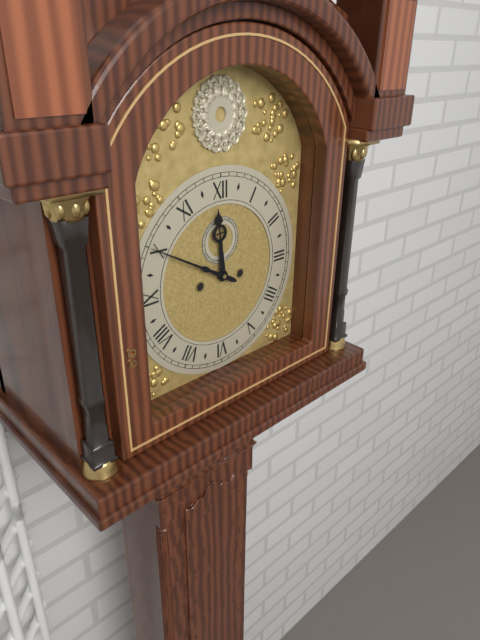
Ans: 11:50
